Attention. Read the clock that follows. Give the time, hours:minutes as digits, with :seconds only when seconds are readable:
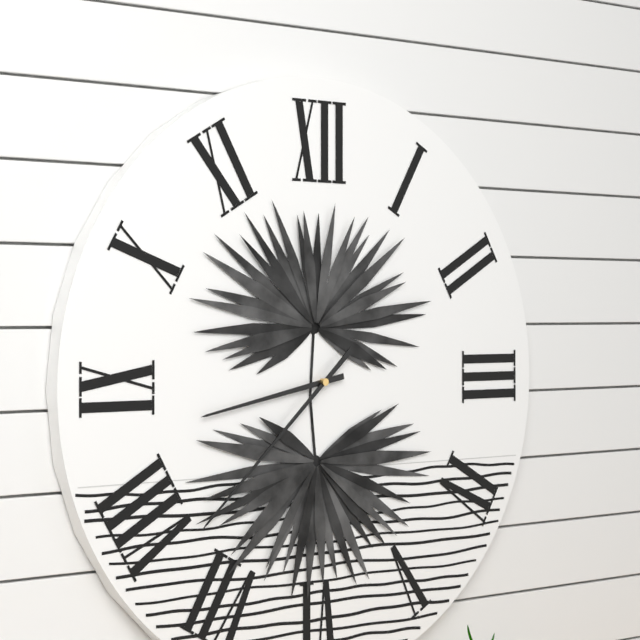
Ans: 8:38
